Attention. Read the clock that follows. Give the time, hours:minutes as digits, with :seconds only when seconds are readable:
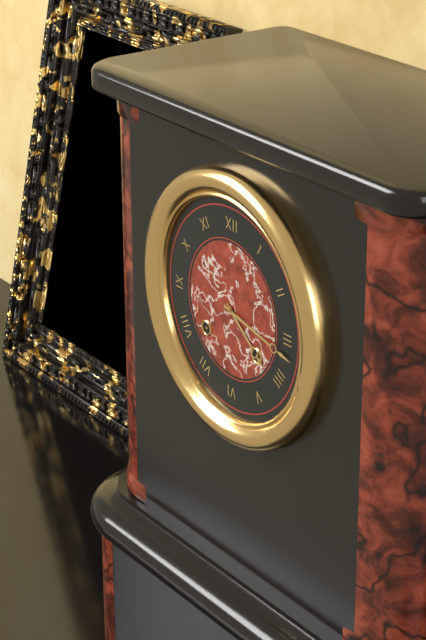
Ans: 4:17
